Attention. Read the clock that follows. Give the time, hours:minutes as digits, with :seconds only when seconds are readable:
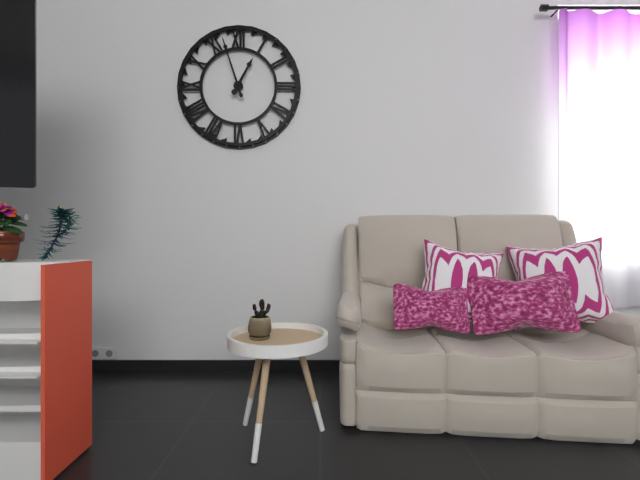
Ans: 12:57
